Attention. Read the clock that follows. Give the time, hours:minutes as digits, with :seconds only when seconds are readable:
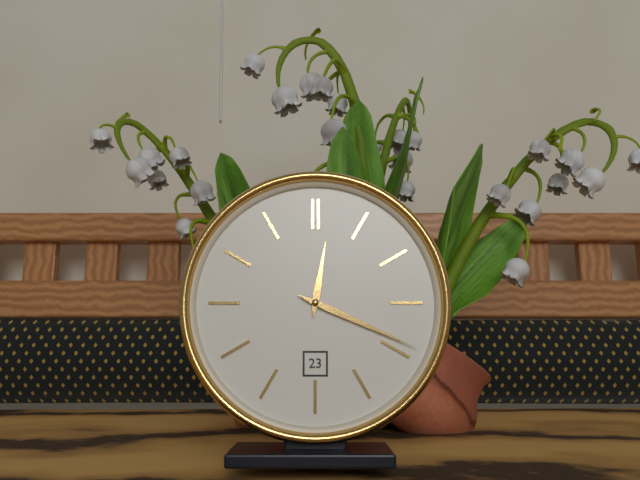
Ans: 12:19
